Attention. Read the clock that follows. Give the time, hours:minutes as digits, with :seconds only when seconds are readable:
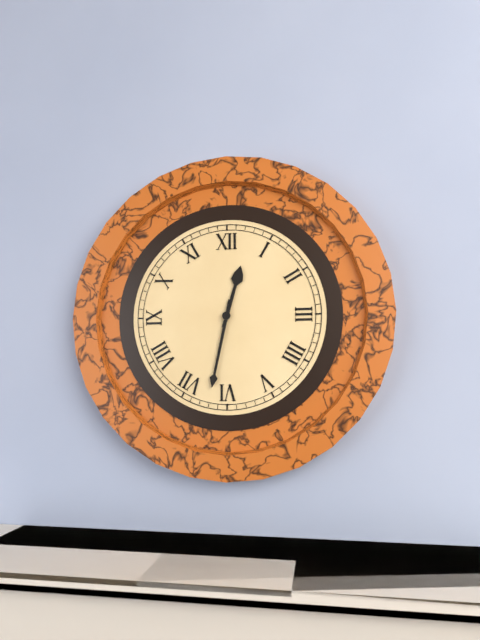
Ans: 12:32
